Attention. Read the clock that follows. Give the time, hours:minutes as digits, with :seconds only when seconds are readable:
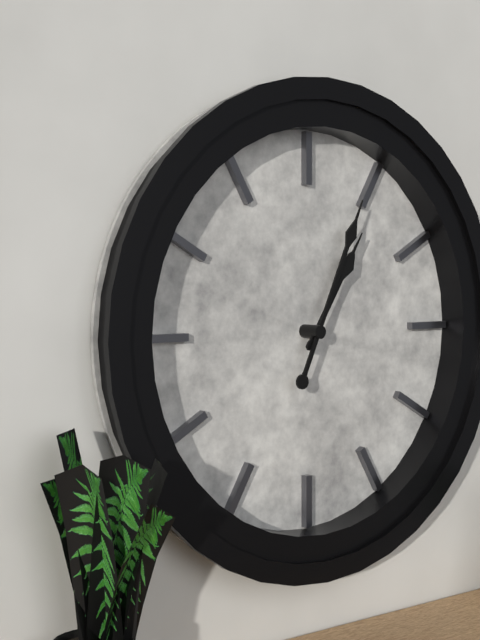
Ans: 1:04
